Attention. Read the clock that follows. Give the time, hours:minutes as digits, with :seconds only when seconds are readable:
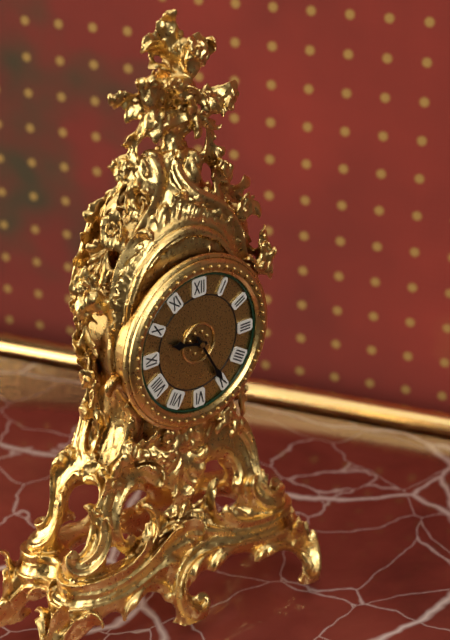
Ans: 9:25
